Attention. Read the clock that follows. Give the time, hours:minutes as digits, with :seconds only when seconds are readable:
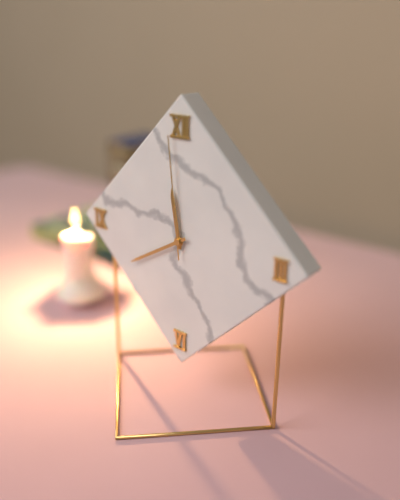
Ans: 11:40:59
